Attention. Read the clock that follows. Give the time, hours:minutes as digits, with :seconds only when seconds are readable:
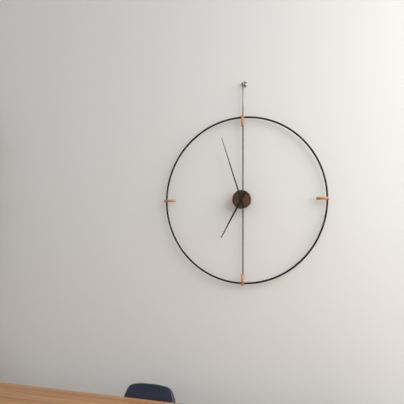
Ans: 6:57
